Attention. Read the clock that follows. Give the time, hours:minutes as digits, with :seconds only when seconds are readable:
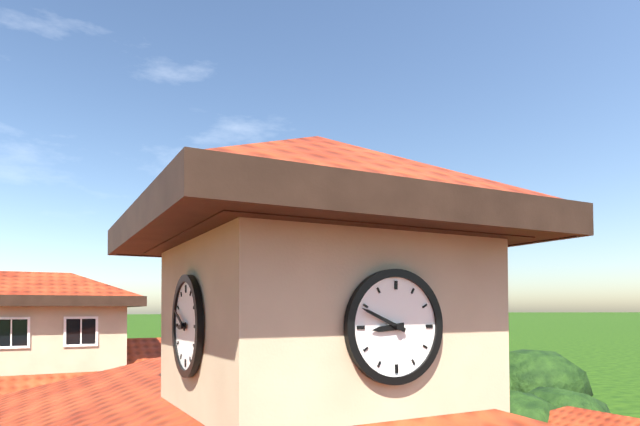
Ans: 8:49
